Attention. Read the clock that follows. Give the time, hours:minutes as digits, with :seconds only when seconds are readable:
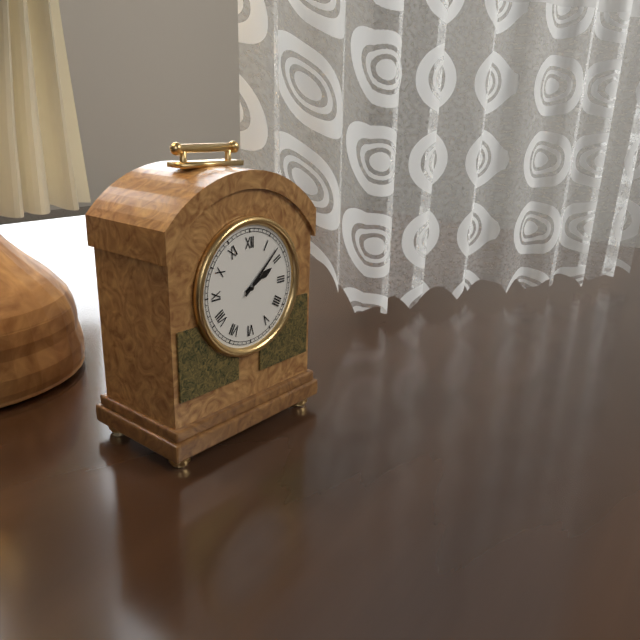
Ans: 2:08
